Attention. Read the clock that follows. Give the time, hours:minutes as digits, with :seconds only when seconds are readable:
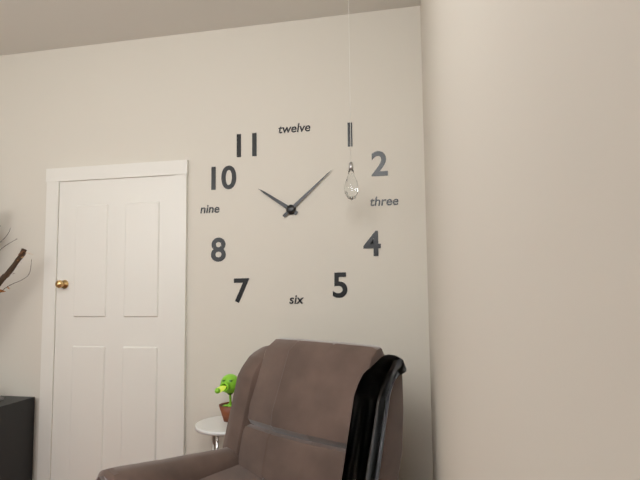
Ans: 10:08
